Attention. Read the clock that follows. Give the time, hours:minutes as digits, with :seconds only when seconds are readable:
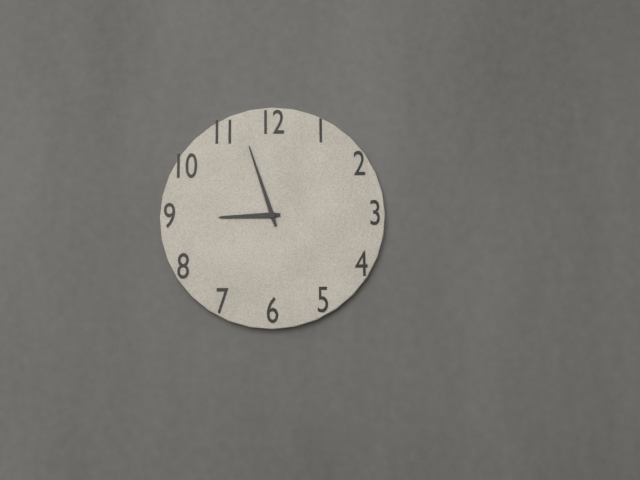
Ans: 8:57
